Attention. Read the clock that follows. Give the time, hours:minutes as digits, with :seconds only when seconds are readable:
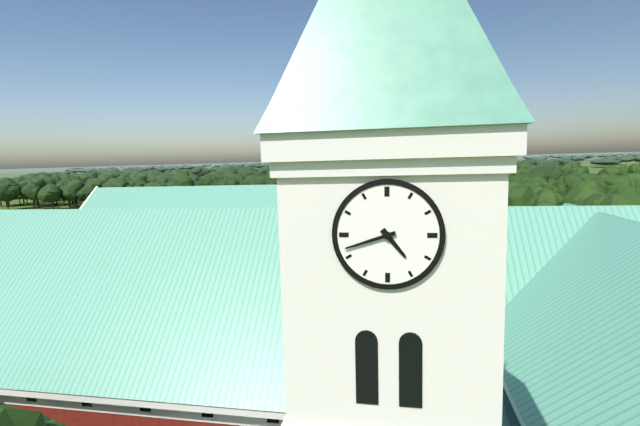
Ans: 4:42
